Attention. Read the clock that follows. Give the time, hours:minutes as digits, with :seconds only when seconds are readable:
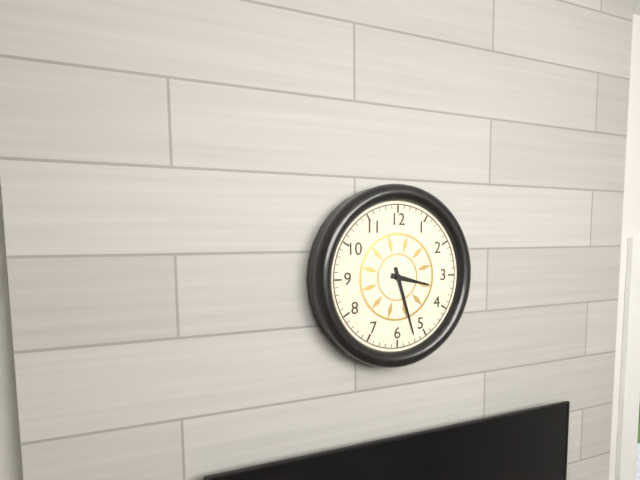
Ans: 3:27
